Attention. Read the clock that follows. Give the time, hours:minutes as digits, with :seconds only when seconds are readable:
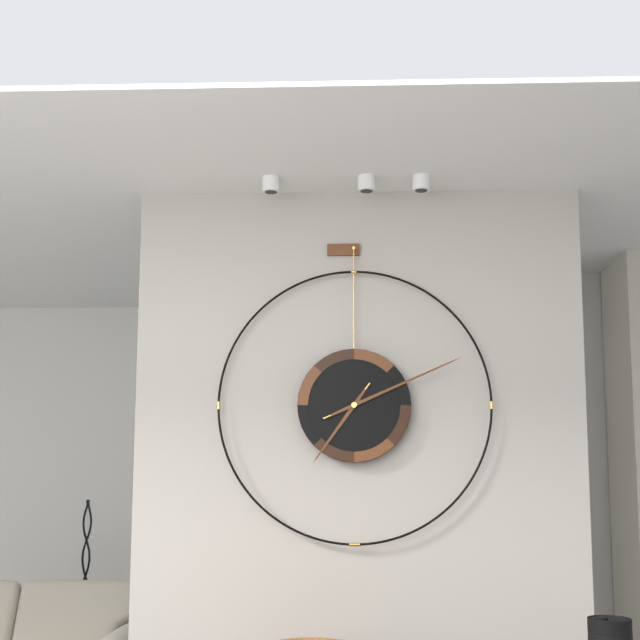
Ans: 7:11
